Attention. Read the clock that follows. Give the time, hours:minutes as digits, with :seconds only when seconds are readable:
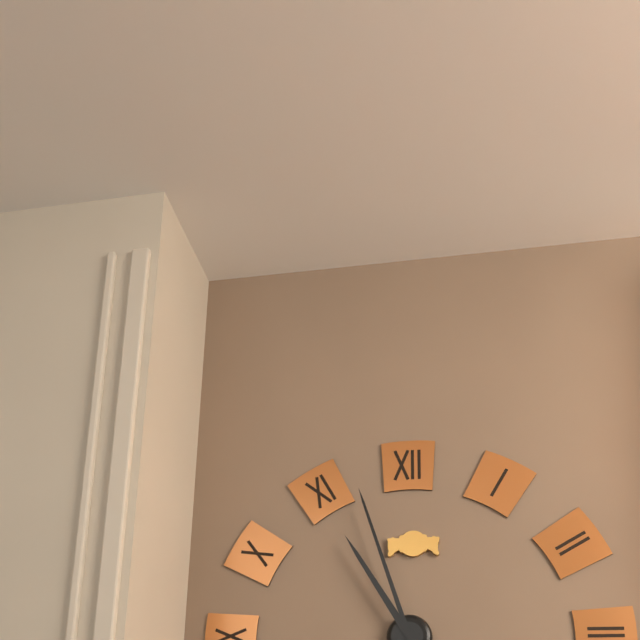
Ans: 10:57
